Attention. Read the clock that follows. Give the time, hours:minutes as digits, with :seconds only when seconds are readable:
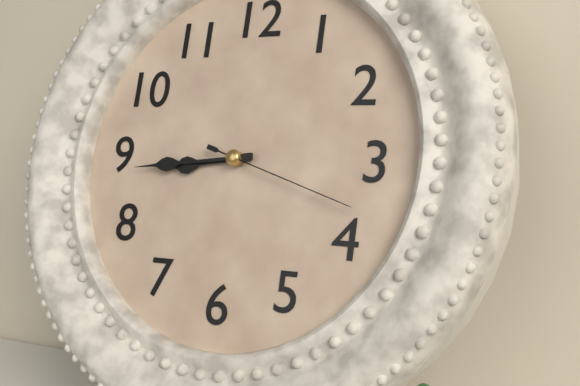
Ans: 8:44:18
